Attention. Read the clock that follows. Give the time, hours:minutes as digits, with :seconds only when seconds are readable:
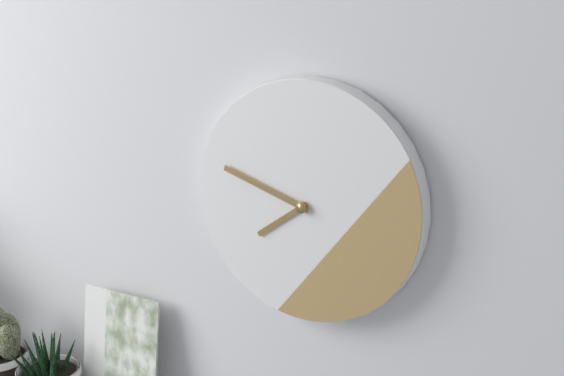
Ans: 7:48
